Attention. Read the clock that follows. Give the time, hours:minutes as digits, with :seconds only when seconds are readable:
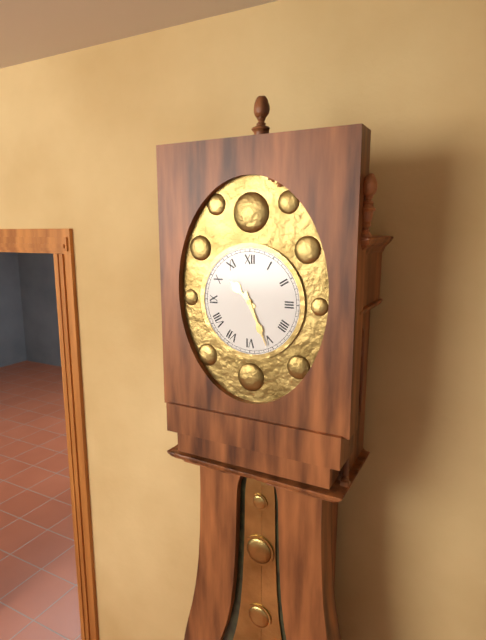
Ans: 10:26
